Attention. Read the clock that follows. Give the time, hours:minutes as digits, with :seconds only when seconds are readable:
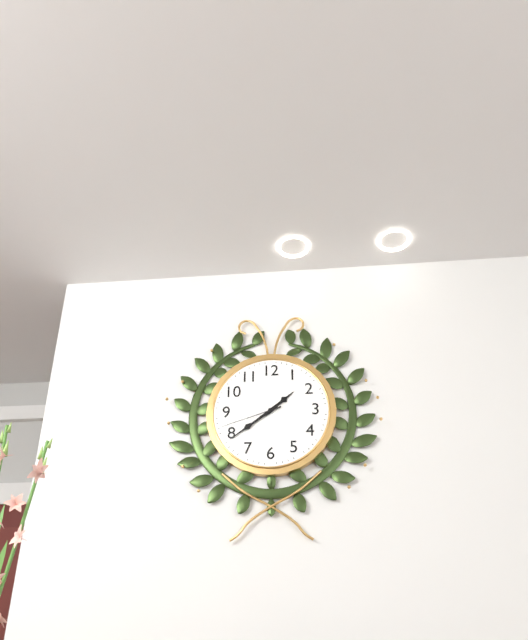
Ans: 1:39:42
